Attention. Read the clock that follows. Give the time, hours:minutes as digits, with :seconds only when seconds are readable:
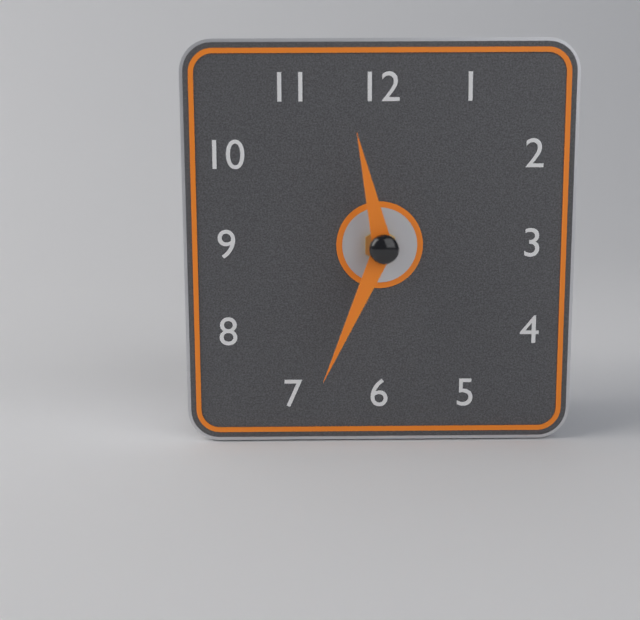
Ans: 11:34
